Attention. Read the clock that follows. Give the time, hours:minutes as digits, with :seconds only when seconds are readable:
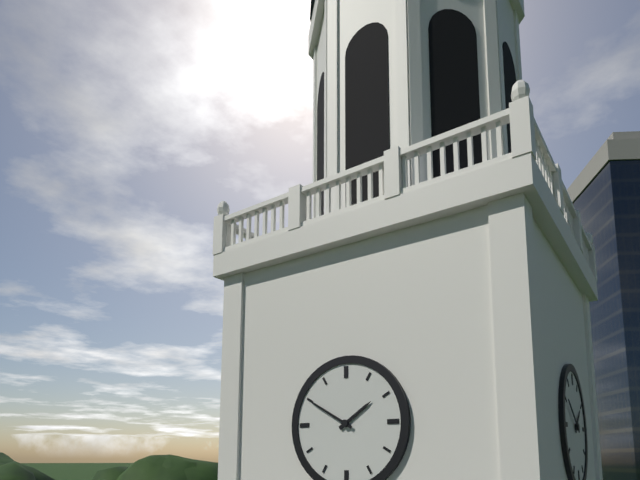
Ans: 1:50
